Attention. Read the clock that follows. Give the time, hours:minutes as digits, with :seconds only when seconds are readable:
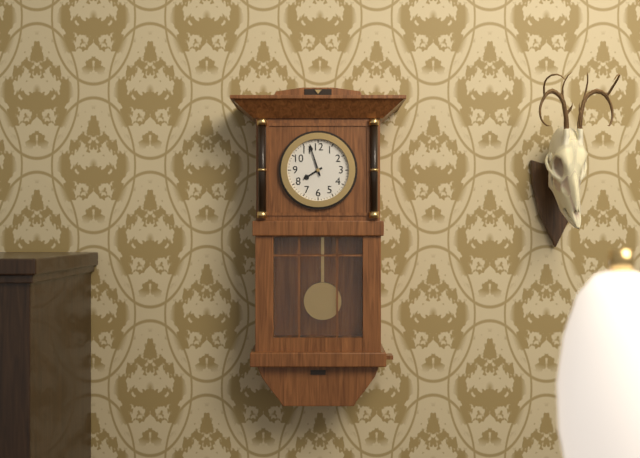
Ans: 7:57
